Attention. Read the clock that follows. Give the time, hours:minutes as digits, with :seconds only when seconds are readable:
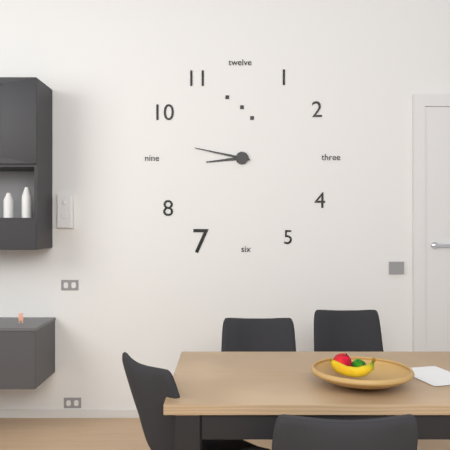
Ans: 8:47
